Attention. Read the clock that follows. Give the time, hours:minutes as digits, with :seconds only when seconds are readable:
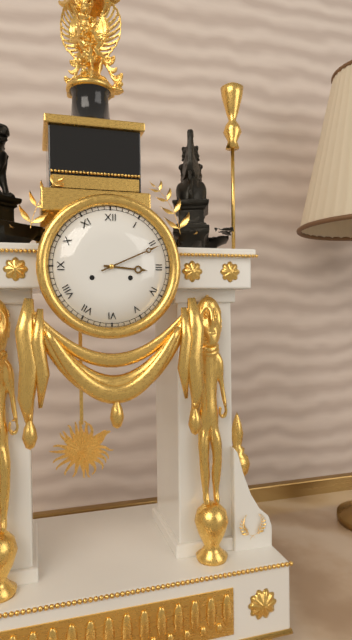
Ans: 3:11
